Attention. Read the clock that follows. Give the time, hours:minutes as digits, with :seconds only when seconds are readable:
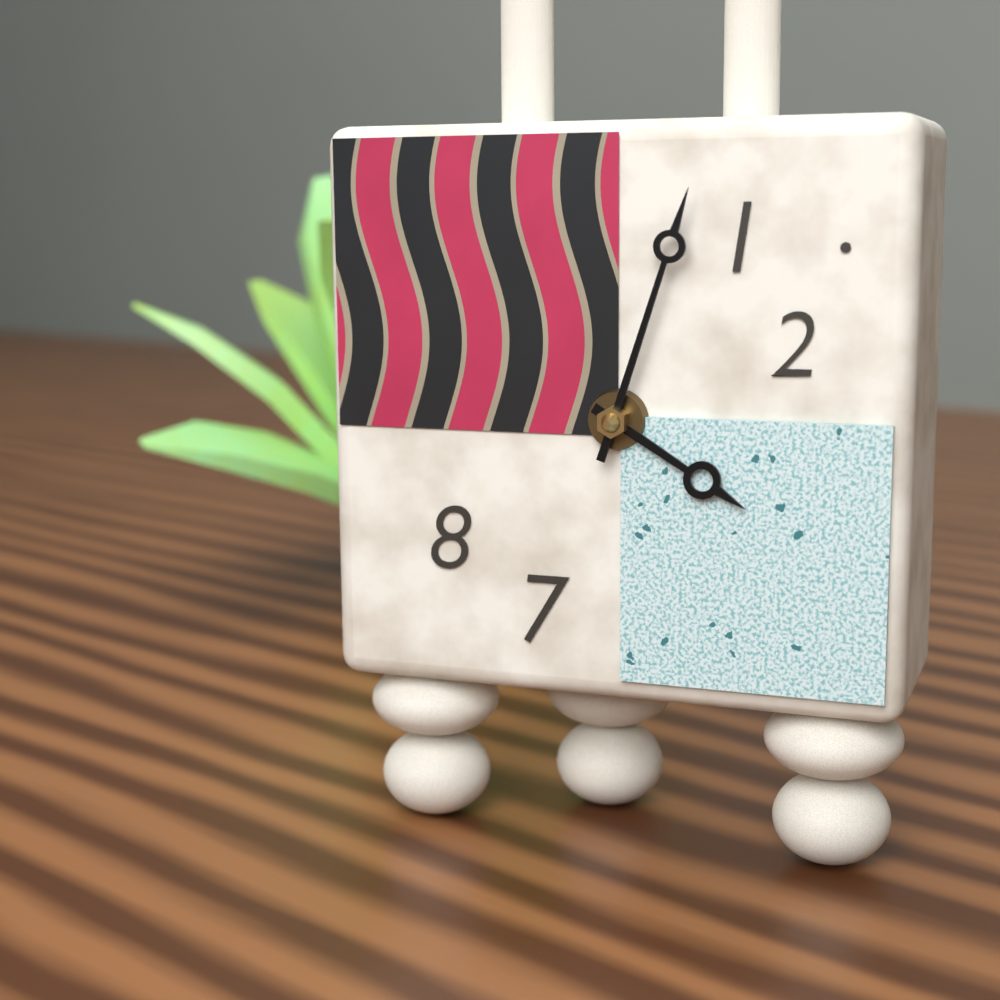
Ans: 4:03
